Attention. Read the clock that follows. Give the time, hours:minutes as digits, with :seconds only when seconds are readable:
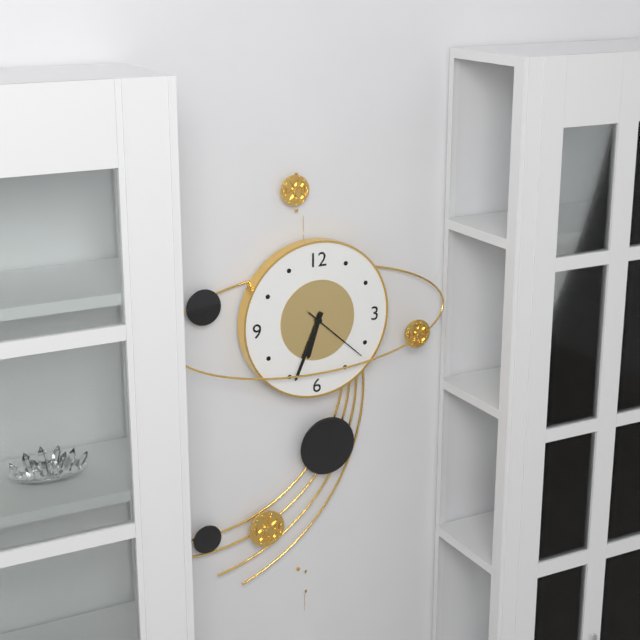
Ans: 6:34:22
